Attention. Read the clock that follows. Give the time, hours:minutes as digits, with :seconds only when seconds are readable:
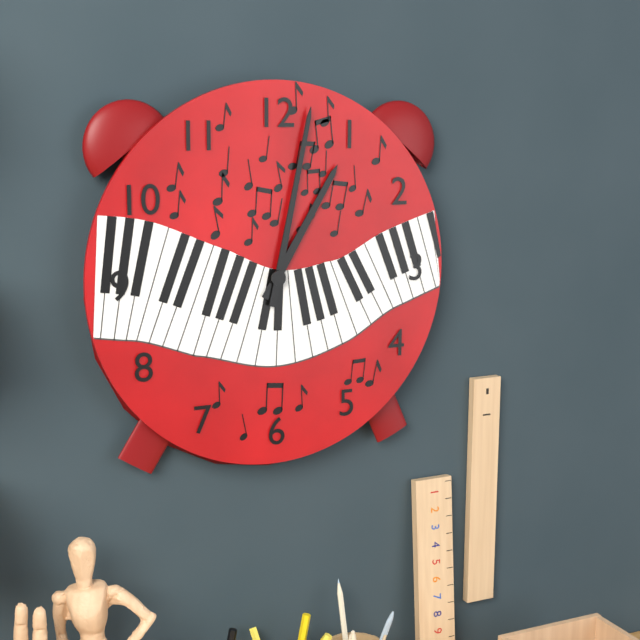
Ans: 1:02
